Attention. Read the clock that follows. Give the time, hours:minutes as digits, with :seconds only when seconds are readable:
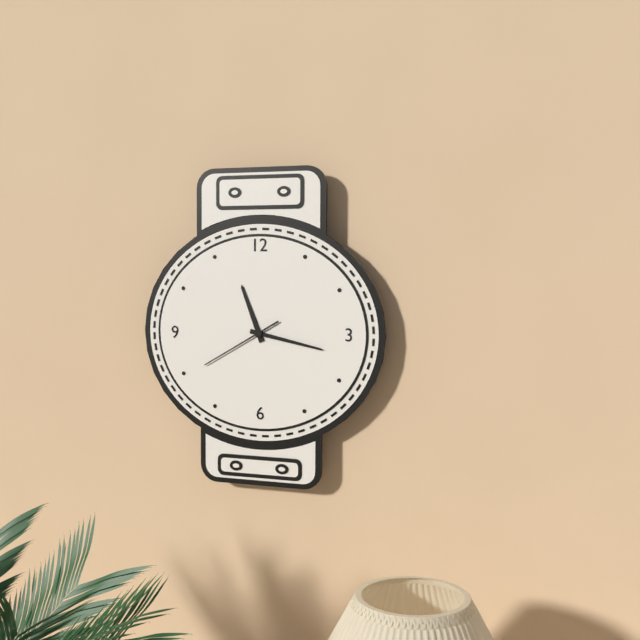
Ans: 11:17:40
